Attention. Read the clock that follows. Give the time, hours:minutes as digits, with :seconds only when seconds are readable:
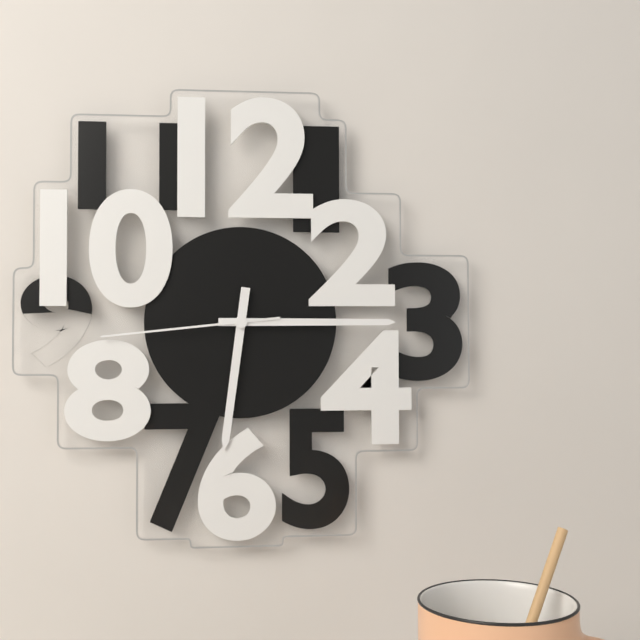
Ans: 6:15:44
